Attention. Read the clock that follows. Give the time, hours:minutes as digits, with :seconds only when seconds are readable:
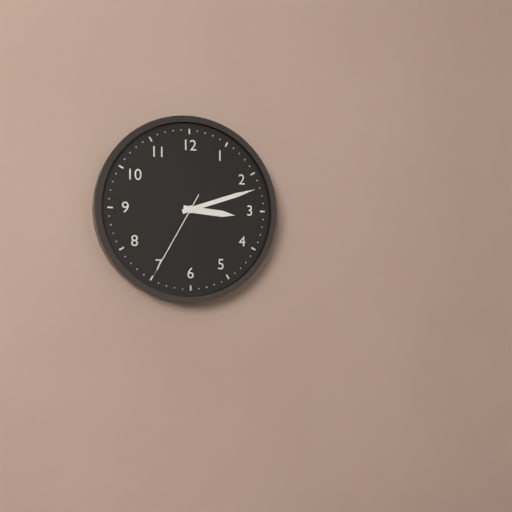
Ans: 3:12:35
